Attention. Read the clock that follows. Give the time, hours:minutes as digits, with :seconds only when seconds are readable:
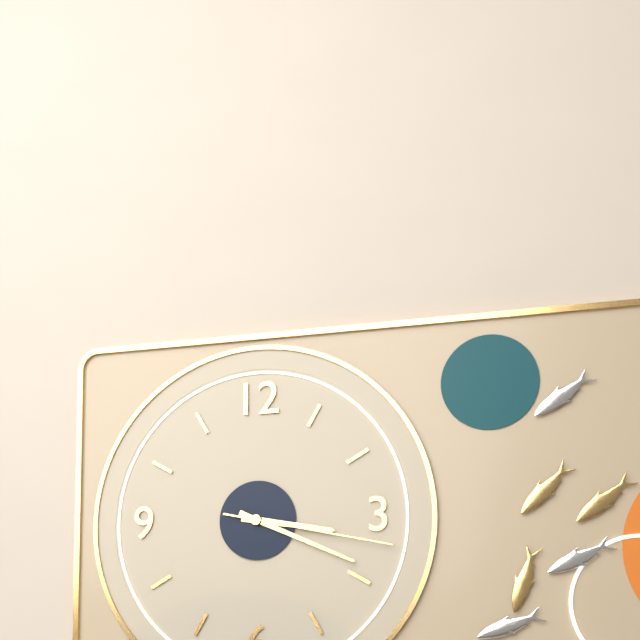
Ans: 3:19:17
